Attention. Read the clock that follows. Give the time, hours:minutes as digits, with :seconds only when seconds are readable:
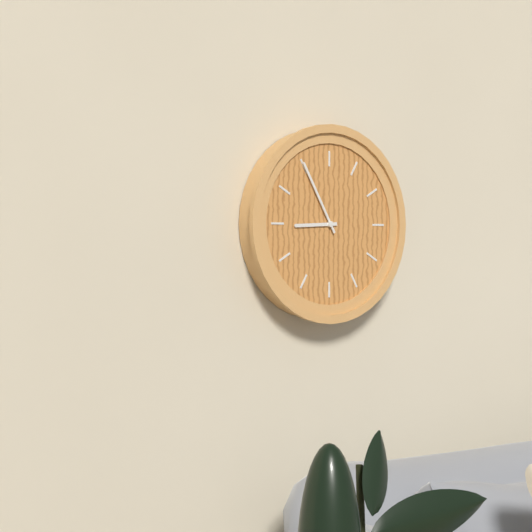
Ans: 8:55
